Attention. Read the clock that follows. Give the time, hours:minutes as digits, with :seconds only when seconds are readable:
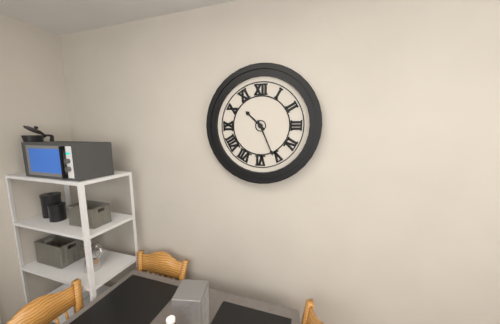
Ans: 10:26
